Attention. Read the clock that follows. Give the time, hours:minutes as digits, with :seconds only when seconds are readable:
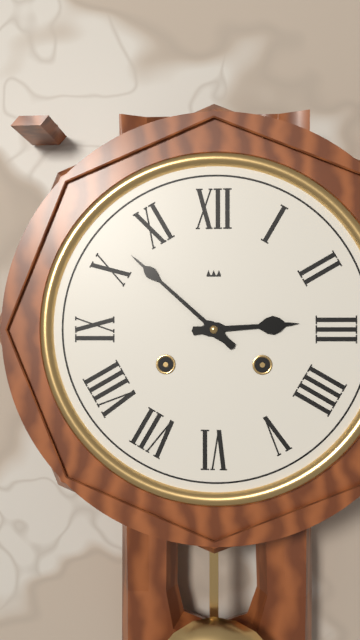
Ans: 2:52
